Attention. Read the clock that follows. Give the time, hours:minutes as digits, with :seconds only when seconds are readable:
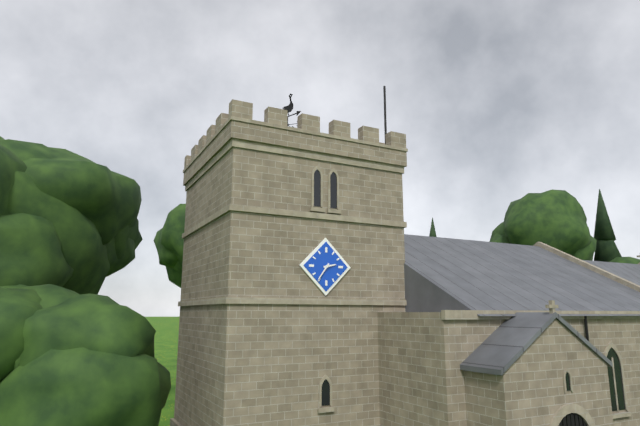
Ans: 2:36
